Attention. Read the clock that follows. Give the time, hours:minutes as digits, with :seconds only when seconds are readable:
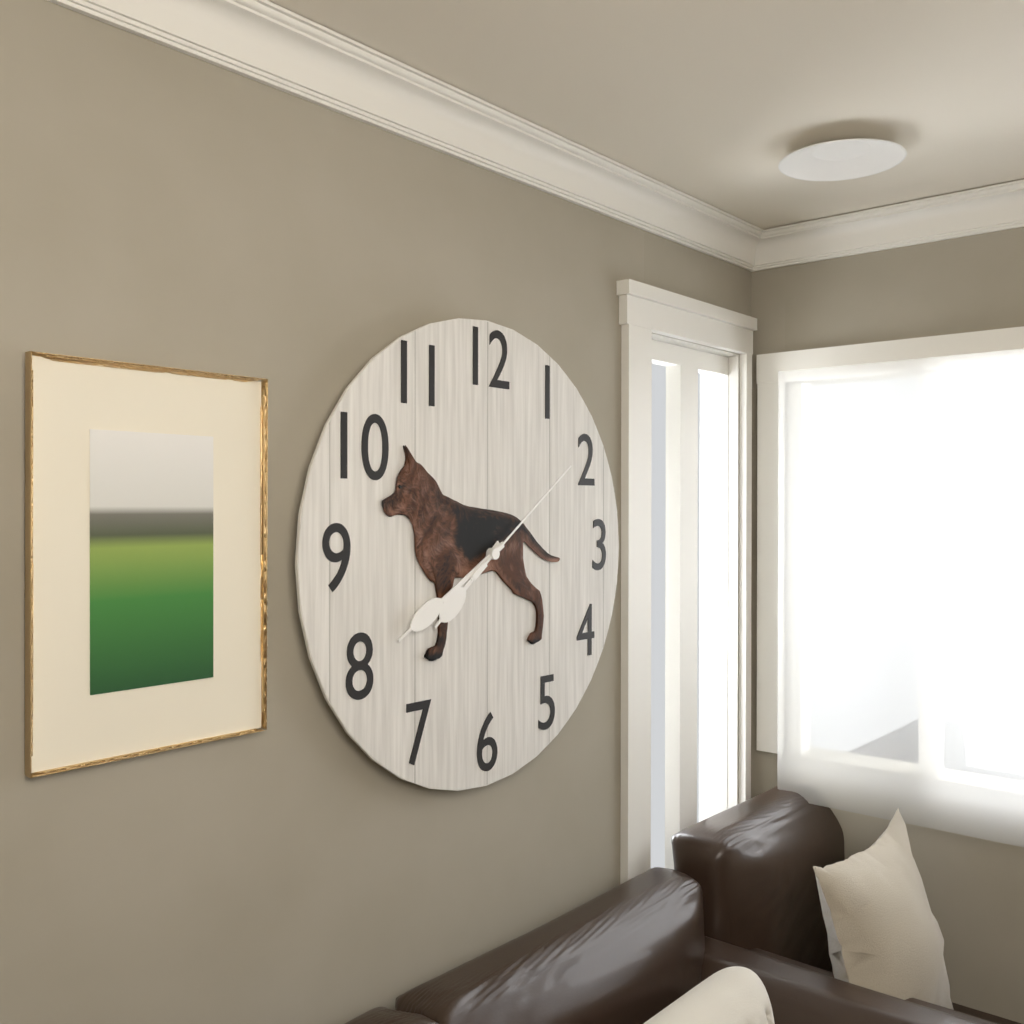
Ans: 7:40:09
